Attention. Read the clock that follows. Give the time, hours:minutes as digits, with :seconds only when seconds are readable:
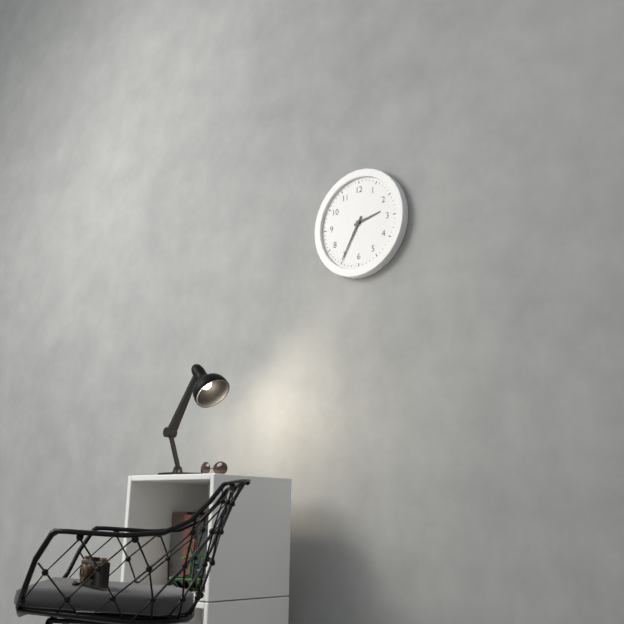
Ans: 2:35
